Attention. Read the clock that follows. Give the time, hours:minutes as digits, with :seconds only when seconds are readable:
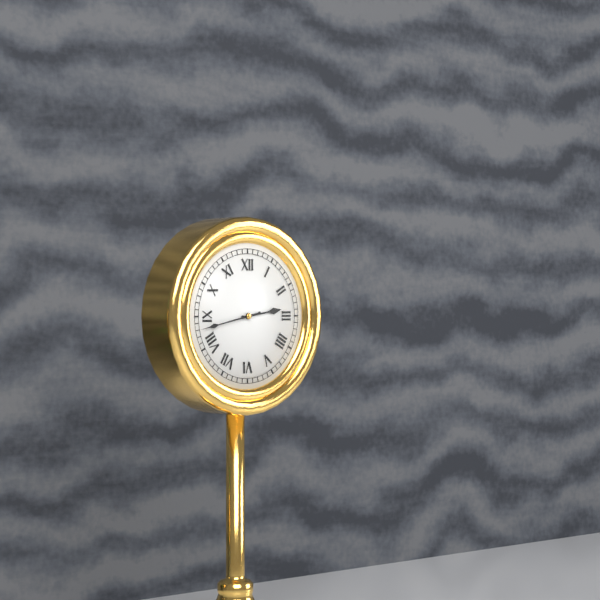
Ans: 2:43
